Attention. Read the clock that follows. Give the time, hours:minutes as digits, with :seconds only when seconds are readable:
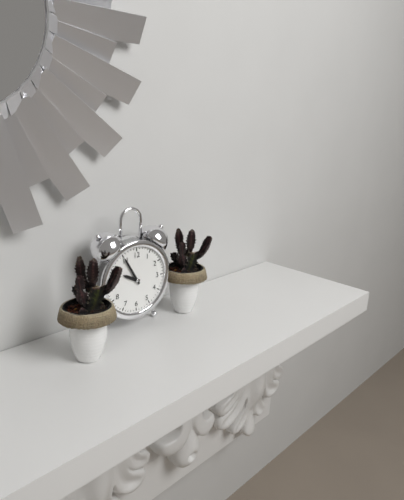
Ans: 9:55
